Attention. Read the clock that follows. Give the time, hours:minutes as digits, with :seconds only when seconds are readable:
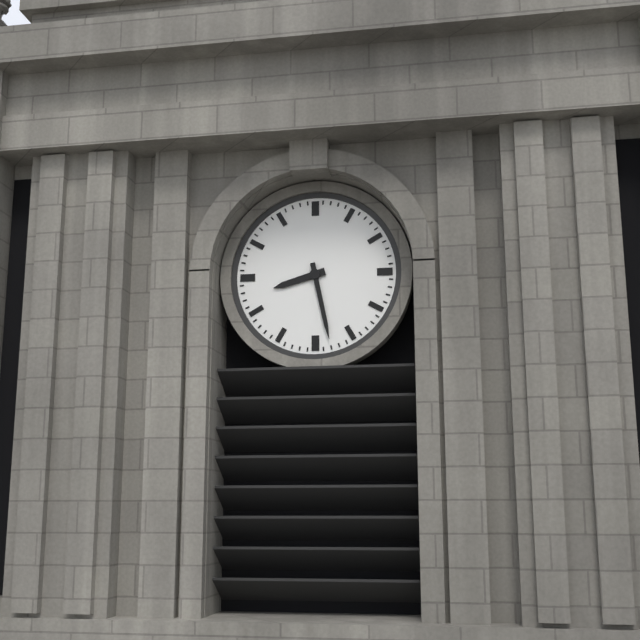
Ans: 8:28
